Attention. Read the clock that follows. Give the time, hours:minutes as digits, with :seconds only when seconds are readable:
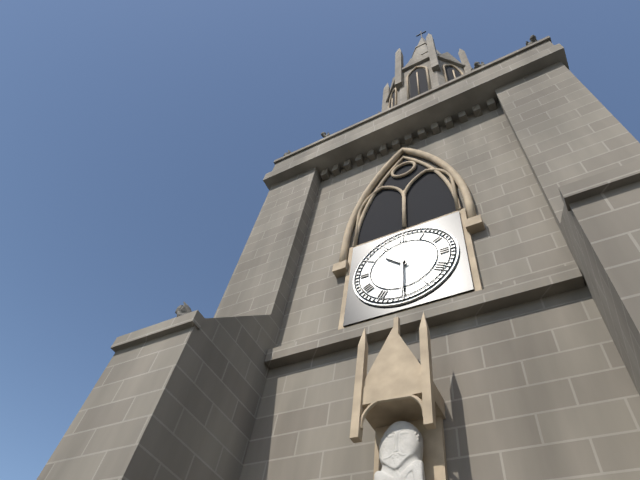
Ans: 10:30
